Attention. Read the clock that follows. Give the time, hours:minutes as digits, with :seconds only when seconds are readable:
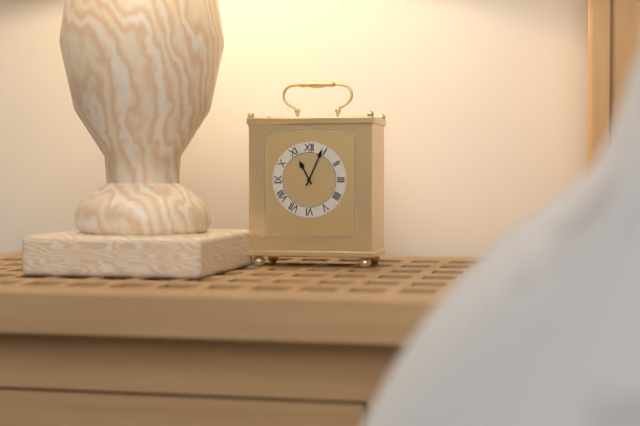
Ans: 11:04
